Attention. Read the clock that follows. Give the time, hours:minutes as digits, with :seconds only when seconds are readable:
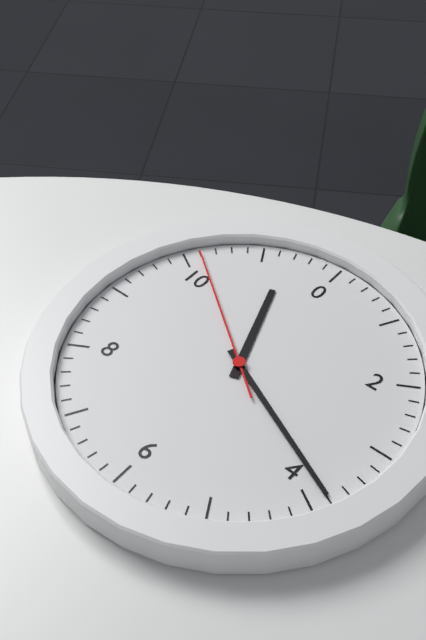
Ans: 11:19:51
